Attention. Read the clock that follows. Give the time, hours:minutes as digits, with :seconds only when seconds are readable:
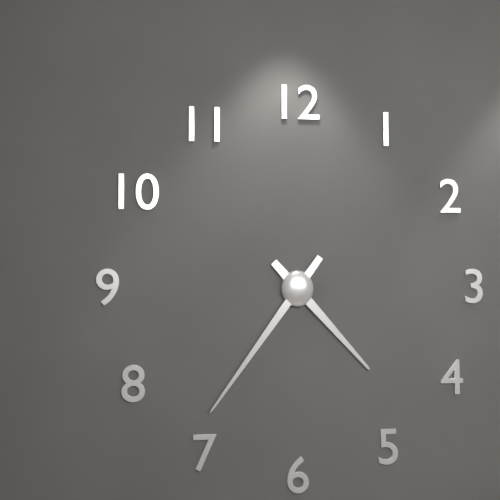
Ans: 4:36
